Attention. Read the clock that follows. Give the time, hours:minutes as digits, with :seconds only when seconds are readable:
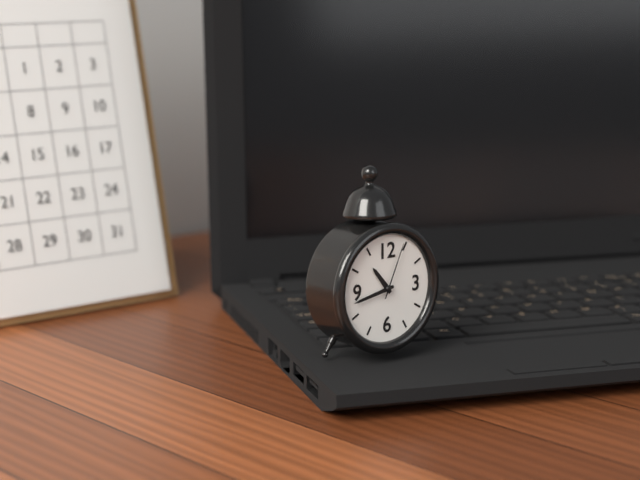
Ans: 10:43:04
